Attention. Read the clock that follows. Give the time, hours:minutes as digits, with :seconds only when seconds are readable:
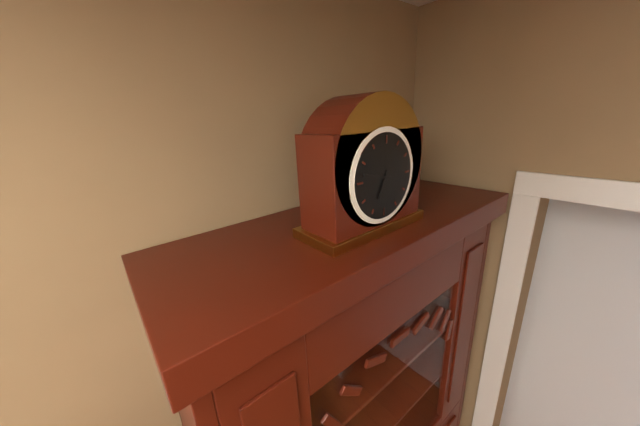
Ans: 6:47
